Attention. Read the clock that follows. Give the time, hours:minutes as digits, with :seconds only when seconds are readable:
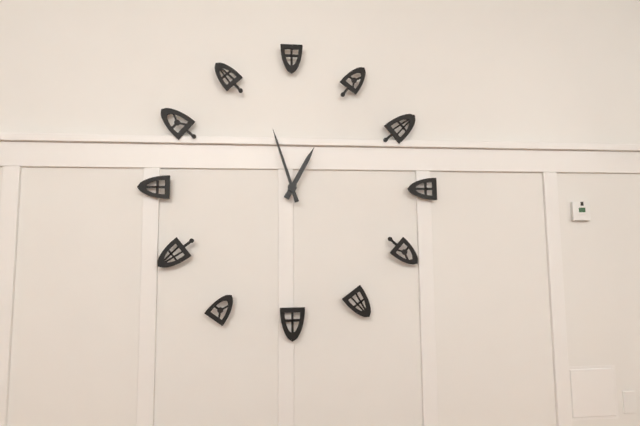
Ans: 12:57
